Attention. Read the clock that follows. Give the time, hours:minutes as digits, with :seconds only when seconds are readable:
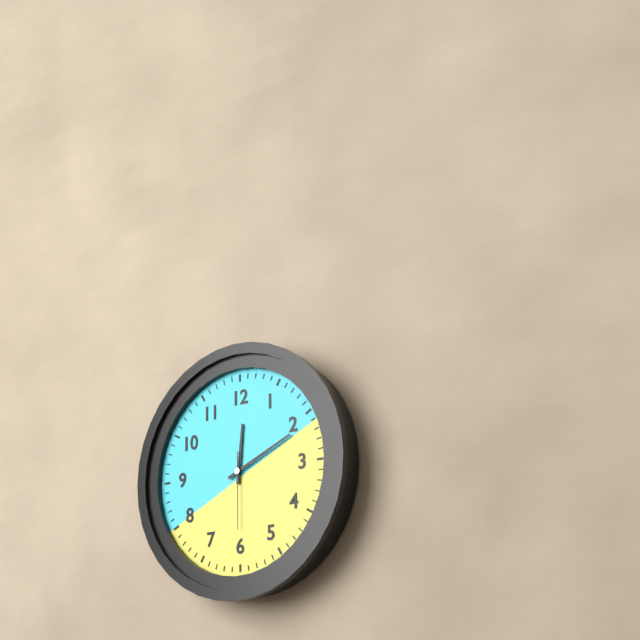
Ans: 12:11:30
